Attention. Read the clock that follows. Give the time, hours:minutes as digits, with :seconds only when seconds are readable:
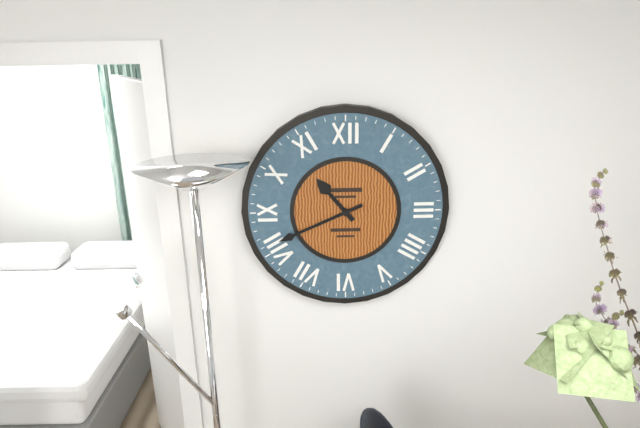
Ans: 10:41
